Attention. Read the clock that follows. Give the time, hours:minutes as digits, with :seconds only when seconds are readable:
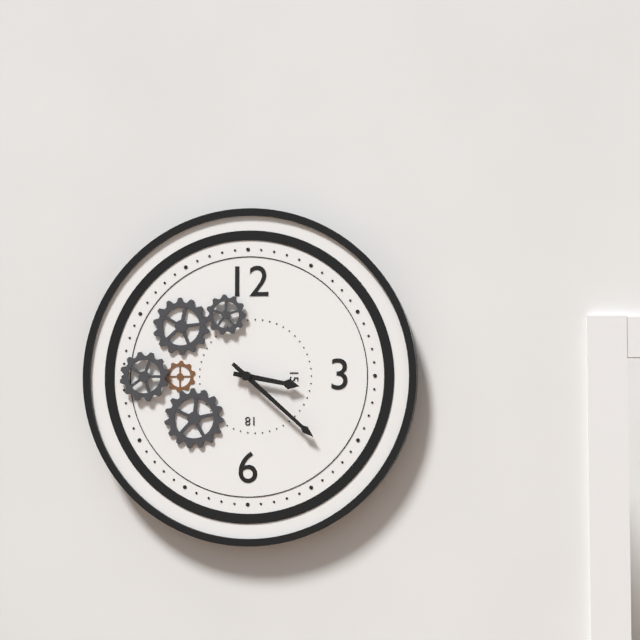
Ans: 3:22
